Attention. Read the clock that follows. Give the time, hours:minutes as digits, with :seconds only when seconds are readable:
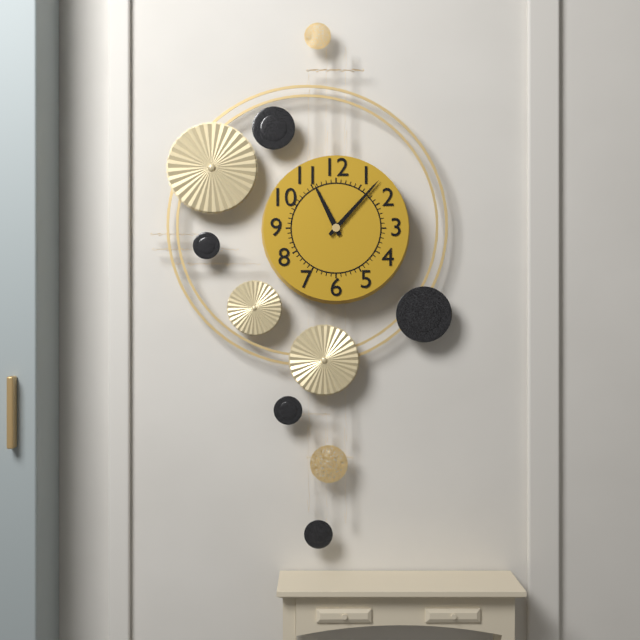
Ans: 11:07
